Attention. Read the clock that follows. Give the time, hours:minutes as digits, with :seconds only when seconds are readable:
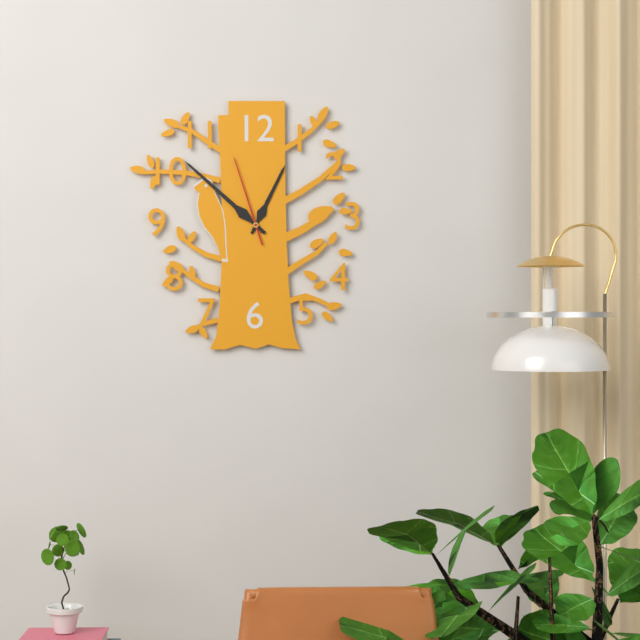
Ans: 12:52:57
